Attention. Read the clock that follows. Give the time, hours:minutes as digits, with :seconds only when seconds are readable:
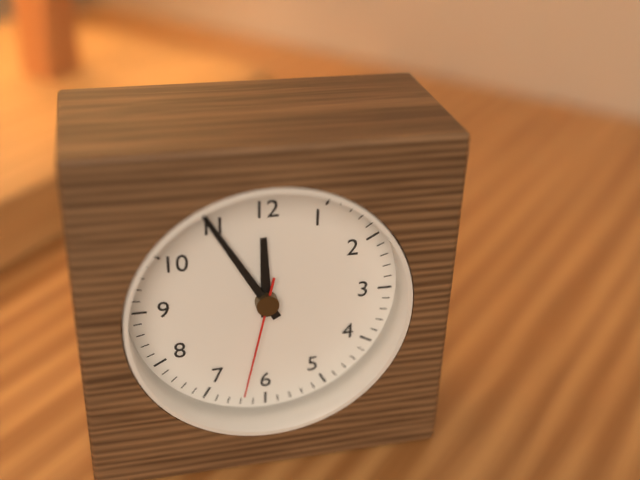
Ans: 11:55:32
